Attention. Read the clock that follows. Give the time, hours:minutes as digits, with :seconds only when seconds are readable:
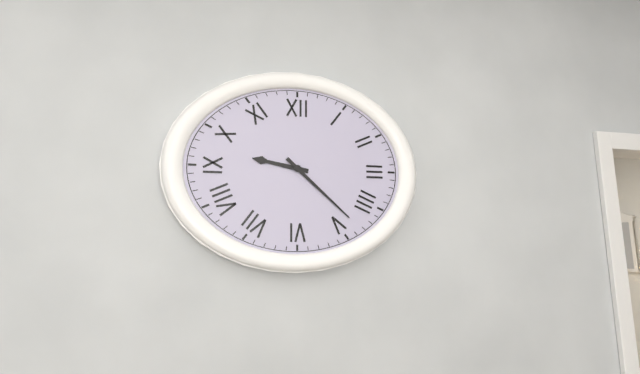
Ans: 9:22
